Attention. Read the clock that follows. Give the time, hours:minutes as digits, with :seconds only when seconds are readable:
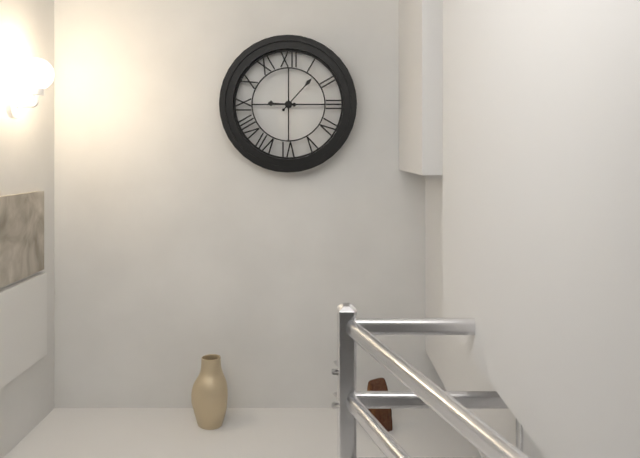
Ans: 9:07
